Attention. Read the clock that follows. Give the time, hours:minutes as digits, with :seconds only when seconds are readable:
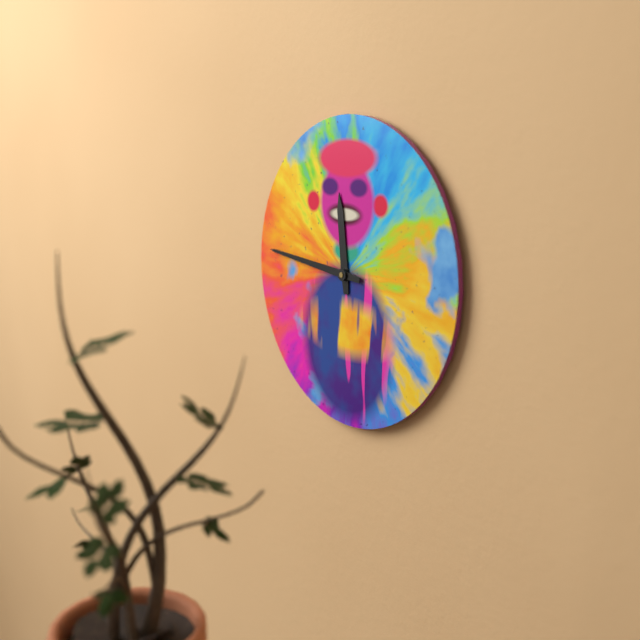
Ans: 11:46
